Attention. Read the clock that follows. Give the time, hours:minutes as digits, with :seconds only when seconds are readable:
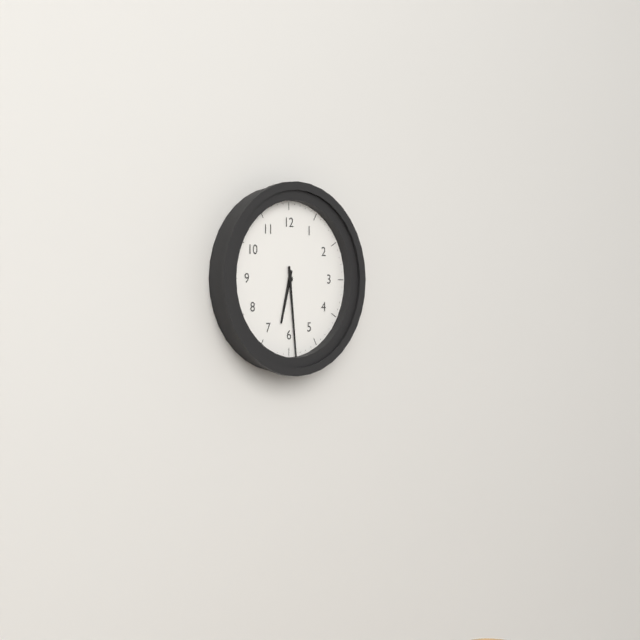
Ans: 6:29
